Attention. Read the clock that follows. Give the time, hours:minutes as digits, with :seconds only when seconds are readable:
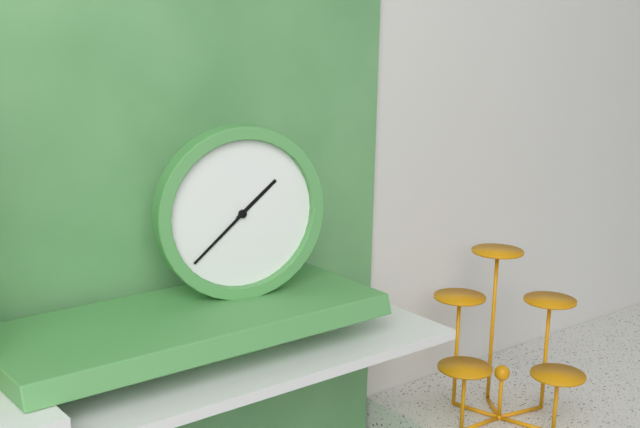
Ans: 1:38
